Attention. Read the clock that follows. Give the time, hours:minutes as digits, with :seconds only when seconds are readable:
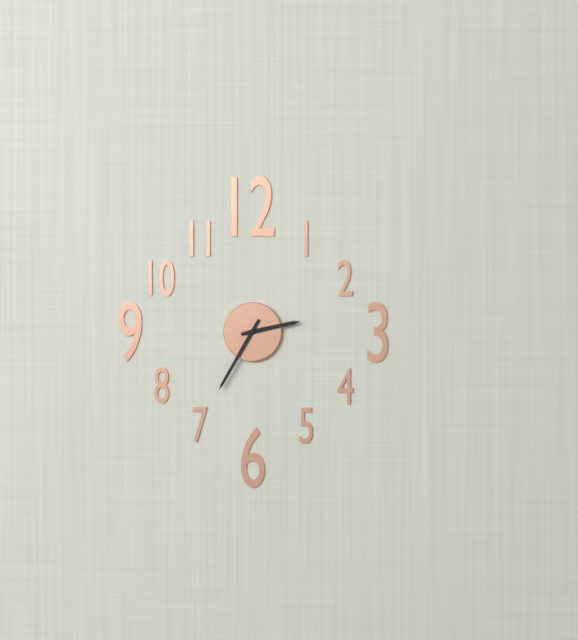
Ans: 2:35
